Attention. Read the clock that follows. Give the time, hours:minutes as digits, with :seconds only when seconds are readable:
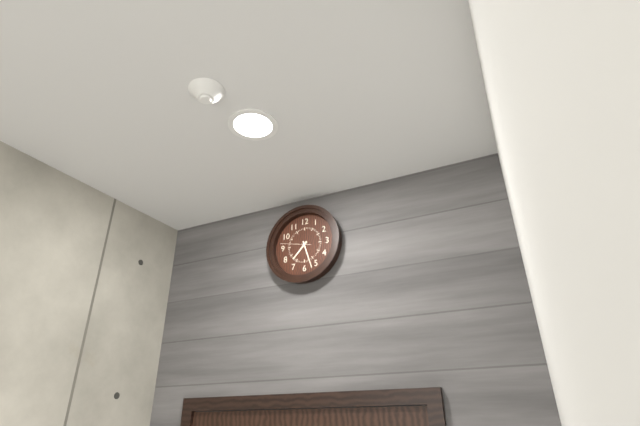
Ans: 7:27
